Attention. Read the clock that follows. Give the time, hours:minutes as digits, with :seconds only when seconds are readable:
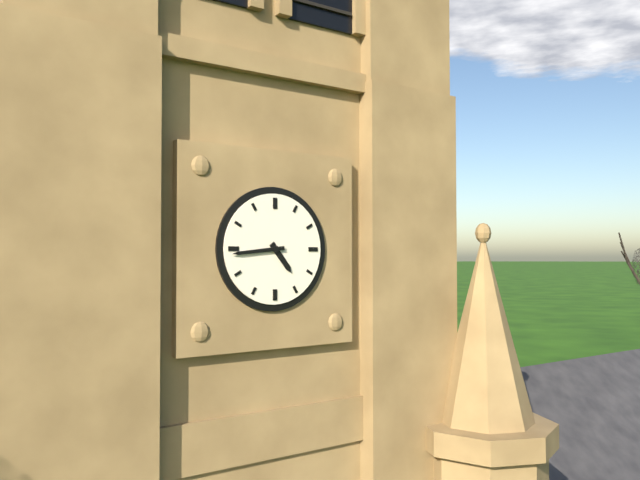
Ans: 4:44
